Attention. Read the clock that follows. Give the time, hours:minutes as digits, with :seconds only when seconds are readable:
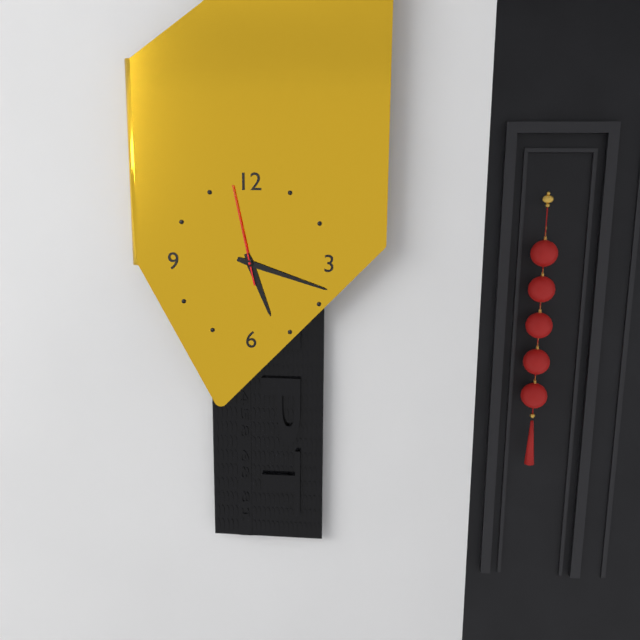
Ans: 5:18:58
